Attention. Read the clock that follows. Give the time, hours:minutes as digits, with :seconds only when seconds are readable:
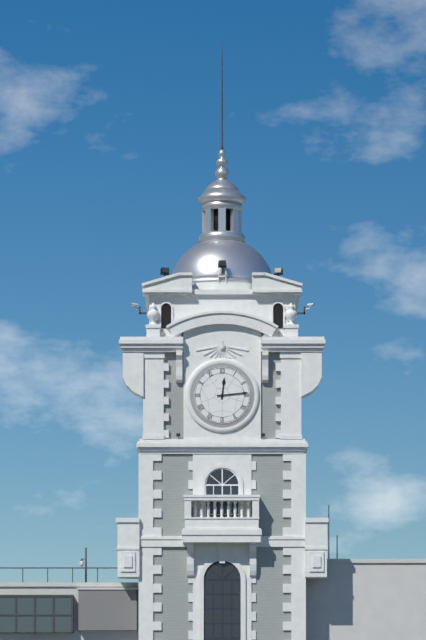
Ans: 12:14
